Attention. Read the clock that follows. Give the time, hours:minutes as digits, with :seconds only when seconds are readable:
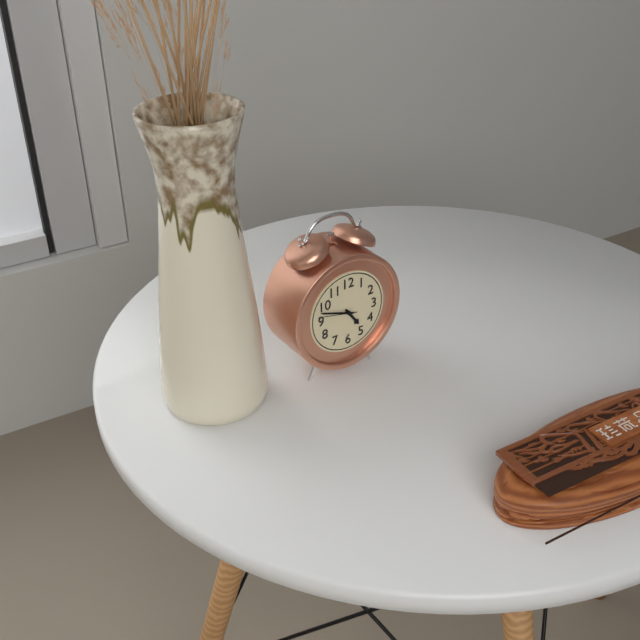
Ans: 4:48
